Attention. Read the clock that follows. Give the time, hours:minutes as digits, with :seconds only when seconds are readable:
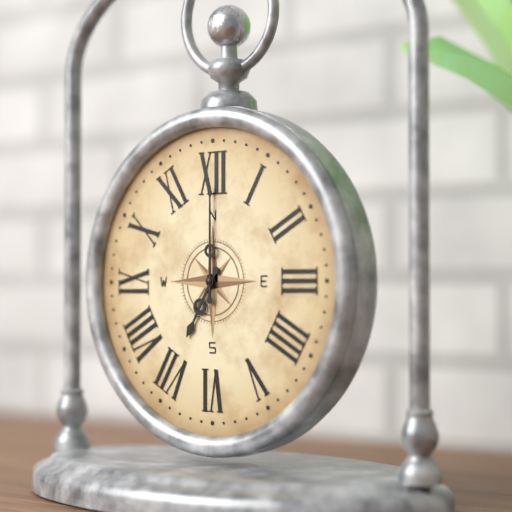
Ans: 7:00
